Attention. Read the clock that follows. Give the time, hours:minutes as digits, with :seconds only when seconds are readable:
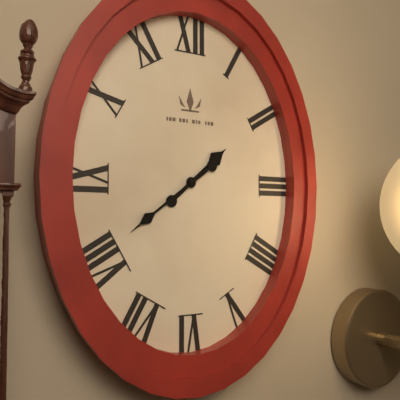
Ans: 1:39
